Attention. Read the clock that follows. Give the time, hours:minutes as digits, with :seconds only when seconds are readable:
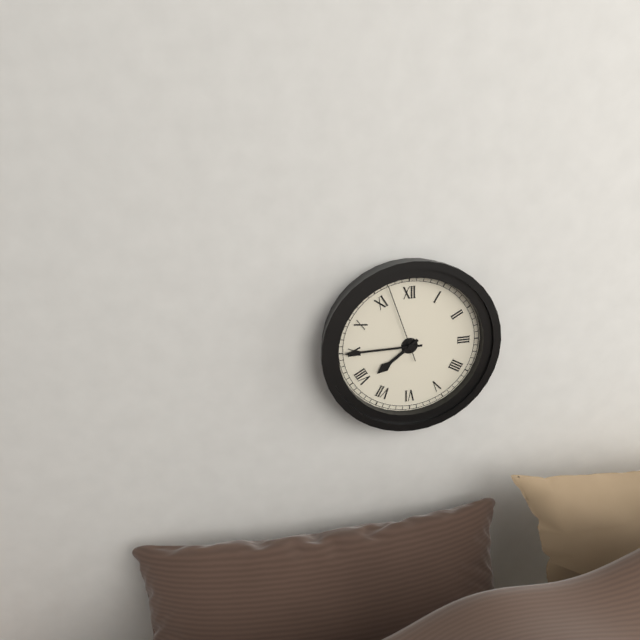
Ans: 7:45:57
